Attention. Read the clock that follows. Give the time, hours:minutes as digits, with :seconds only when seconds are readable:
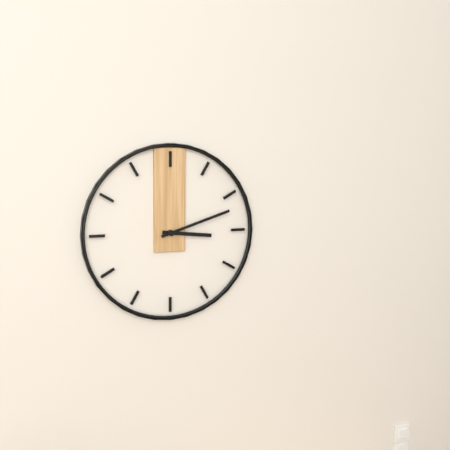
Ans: 3:12
